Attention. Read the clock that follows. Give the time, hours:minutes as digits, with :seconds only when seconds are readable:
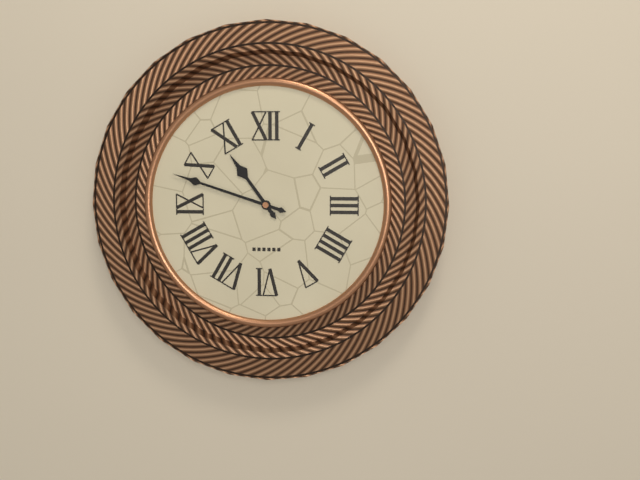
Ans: 10:48
